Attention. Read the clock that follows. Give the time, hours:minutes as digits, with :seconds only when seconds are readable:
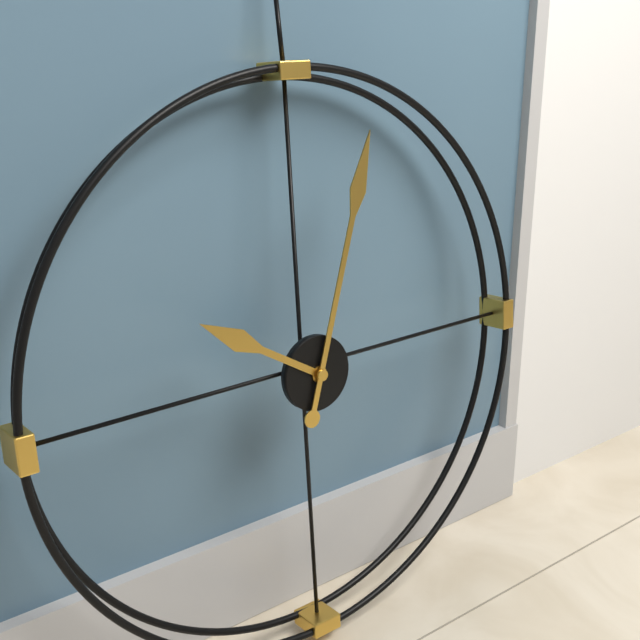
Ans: 10:03
